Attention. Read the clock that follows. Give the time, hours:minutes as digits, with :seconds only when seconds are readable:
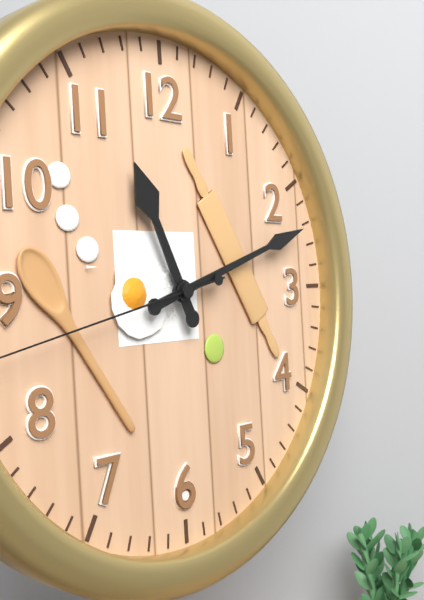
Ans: 11:12
